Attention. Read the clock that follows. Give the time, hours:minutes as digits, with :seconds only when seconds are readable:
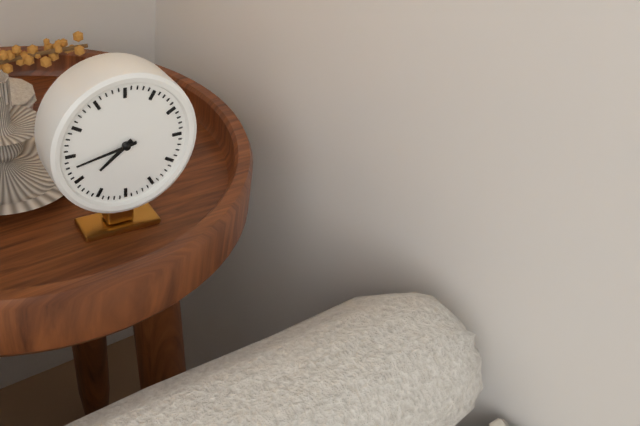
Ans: 7:43
